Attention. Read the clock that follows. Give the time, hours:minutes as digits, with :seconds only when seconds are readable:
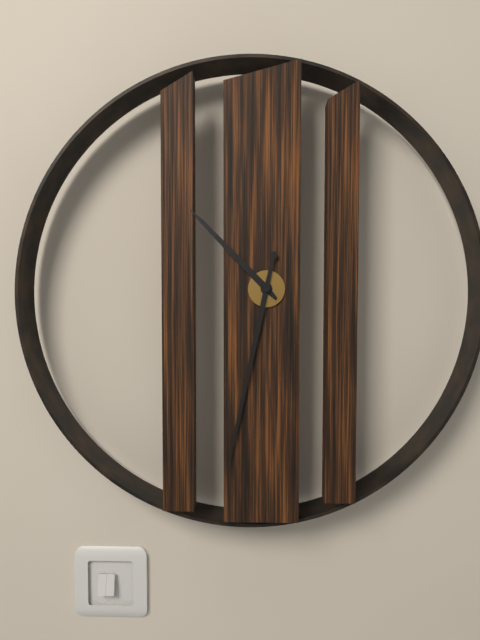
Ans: 10:32
